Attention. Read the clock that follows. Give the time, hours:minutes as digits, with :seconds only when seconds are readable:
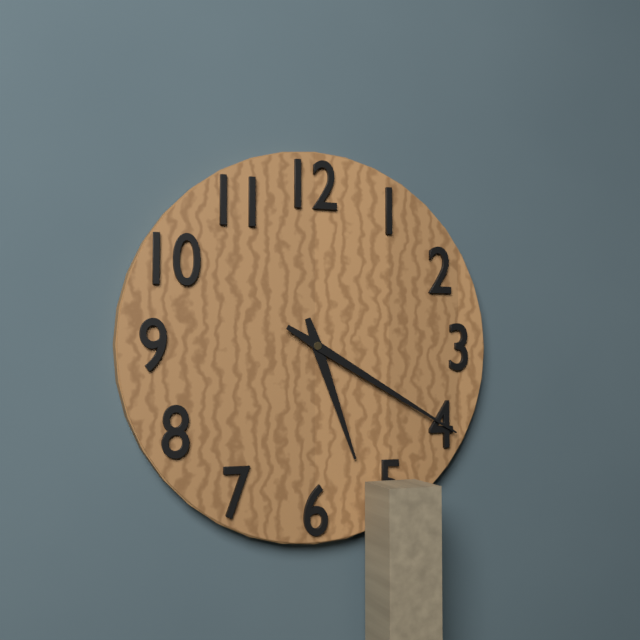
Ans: 5:20
